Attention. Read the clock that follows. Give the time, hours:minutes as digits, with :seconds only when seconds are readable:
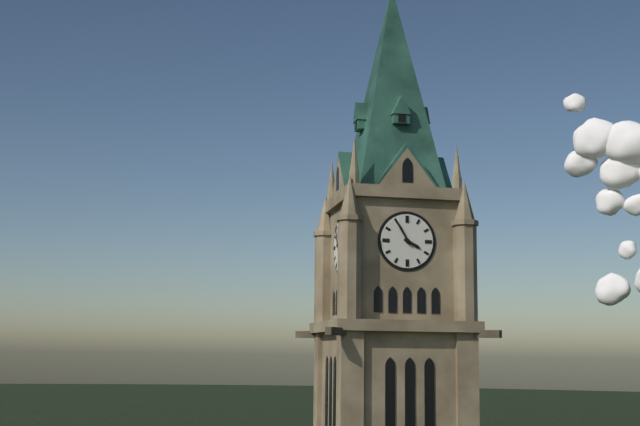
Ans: 3:55
